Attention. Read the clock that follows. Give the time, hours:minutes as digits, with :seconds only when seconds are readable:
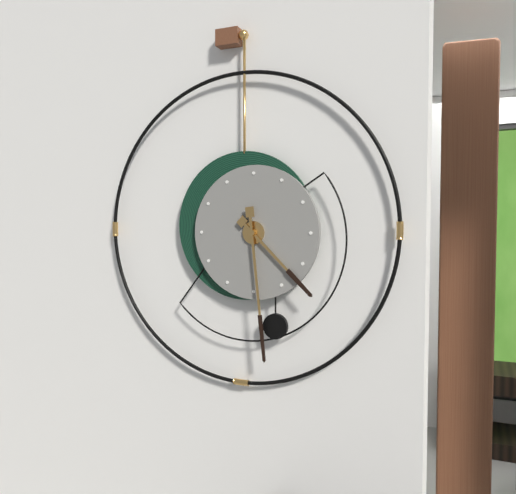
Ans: 4:29
